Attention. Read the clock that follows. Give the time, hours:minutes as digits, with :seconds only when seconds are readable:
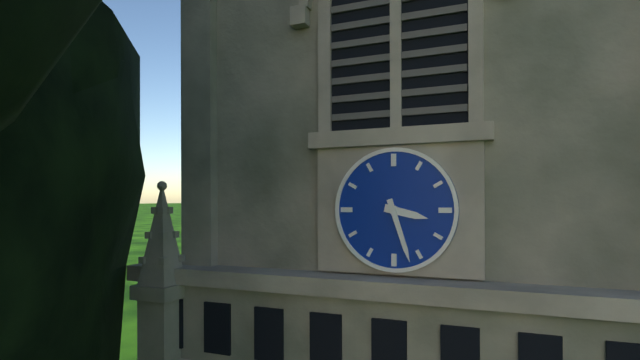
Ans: 3:27
